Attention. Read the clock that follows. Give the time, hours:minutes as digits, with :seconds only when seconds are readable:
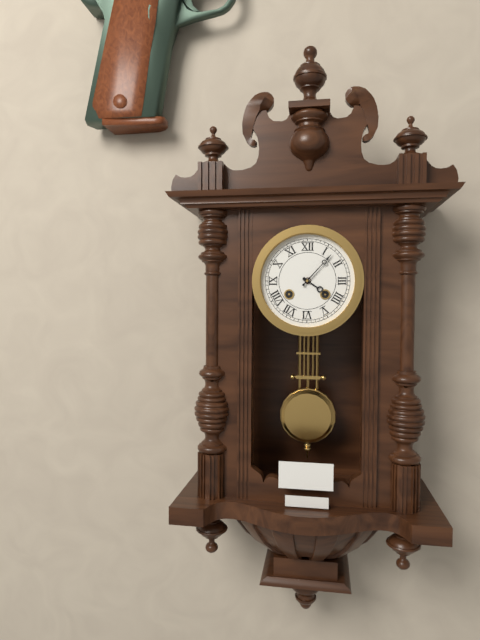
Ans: 4:07
